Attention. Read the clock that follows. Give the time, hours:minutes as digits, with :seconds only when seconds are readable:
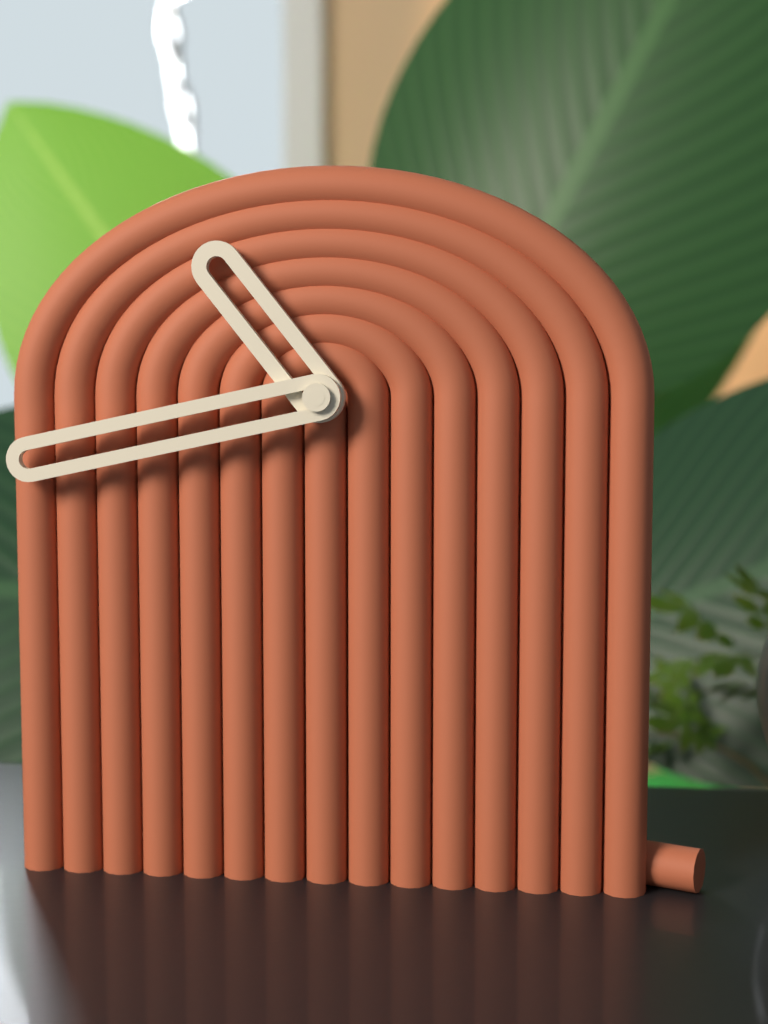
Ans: 10:43
